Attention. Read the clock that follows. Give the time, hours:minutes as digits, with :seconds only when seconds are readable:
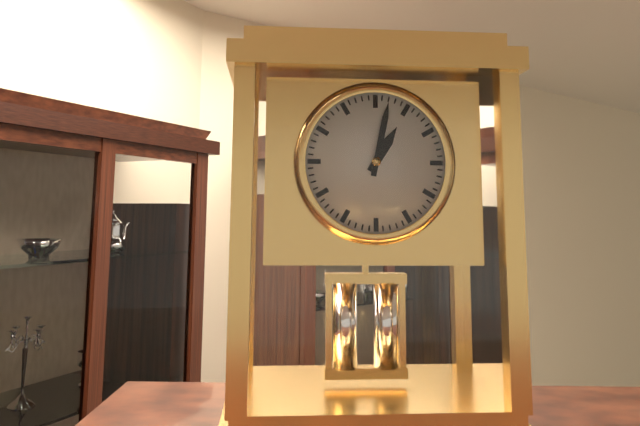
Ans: 1:02
